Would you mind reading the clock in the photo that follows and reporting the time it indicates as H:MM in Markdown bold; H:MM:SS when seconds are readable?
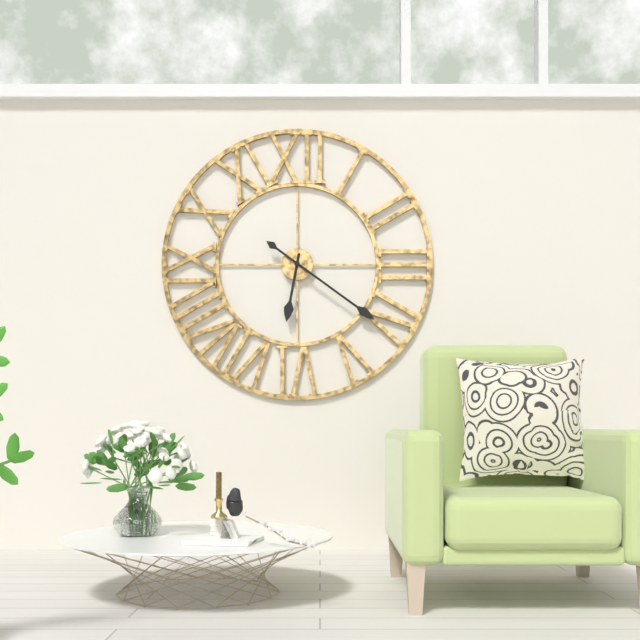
**6:21**
